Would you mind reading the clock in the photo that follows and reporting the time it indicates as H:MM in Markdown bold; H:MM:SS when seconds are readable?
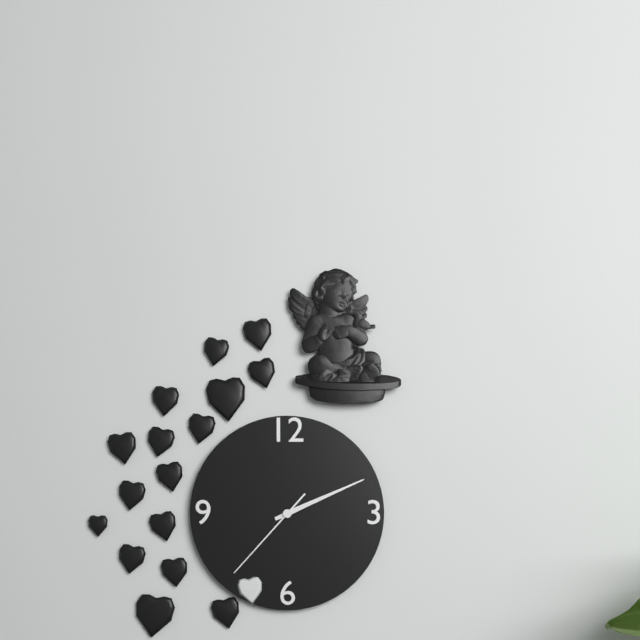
**2:11:37**
